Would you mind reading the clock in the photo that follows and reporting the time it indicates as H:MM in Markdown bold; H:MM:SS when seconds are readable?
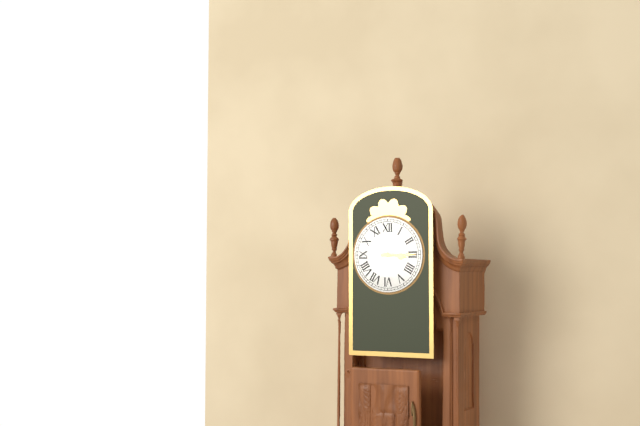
**3:15**
